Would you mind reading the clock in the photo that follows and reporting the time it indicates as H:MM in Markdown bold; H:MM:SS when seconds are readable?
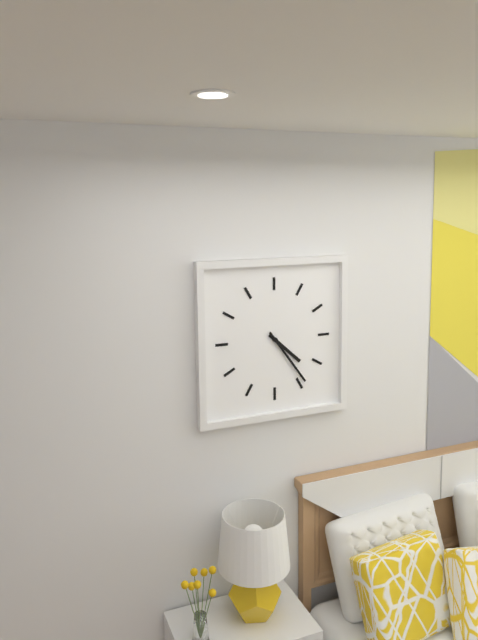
**4:24**
